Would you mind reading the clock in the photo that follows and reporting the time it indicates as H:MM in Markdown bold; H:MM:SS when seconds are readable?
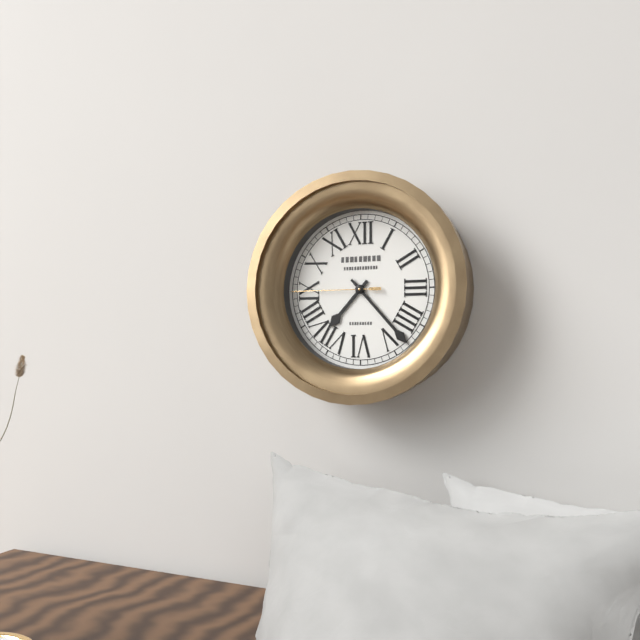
**7:23:45**
